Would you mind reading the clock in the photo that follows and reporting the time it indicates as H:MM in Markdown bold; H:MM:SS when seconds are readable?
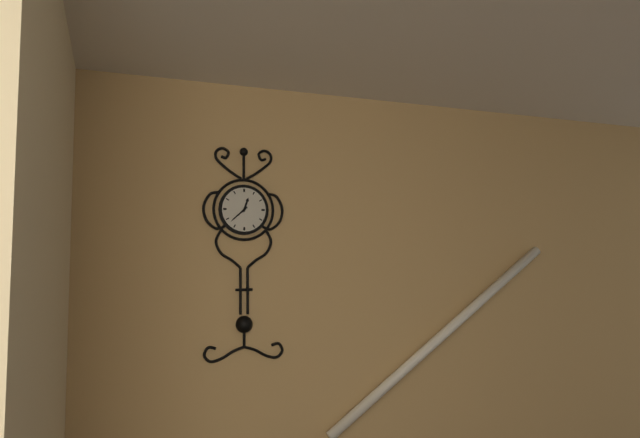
**12:38**
